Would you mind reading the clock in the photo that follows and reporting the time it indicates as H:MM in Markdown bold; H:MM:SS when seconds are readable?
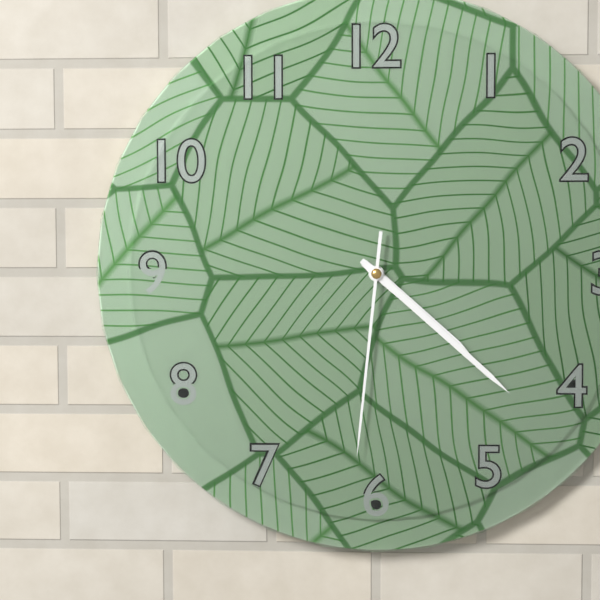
**4:22:31**
